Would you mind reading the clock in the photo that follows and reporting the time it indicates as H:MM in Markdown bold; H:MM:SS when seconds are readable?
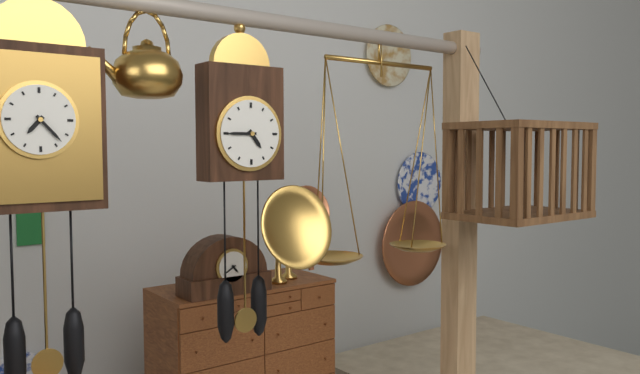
**4:45**
